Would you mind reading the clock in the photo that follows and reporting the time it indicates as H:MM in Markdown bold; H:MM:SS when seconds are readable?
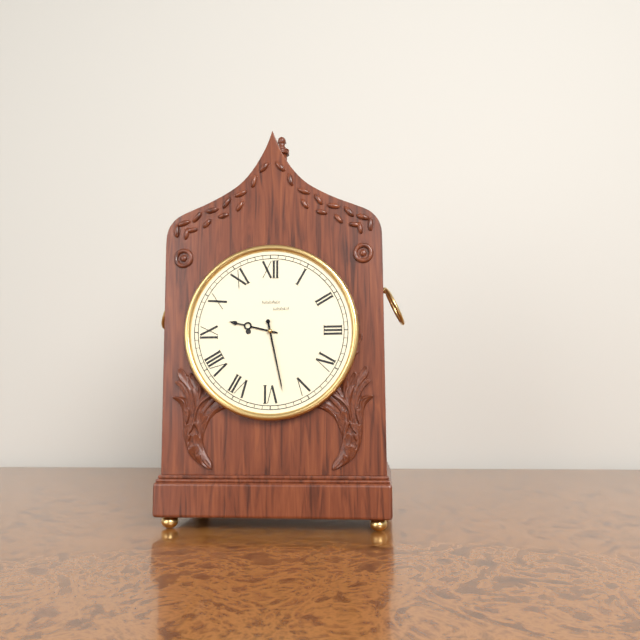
**9:28**
